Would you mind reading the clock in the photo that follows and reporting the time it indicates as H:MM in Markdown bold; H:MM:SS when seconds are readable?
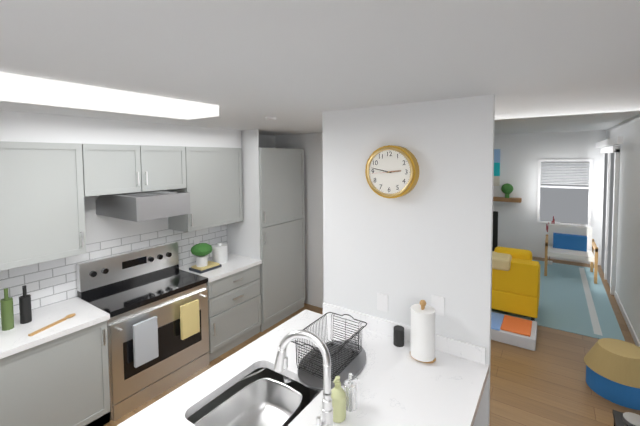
**2:47**
